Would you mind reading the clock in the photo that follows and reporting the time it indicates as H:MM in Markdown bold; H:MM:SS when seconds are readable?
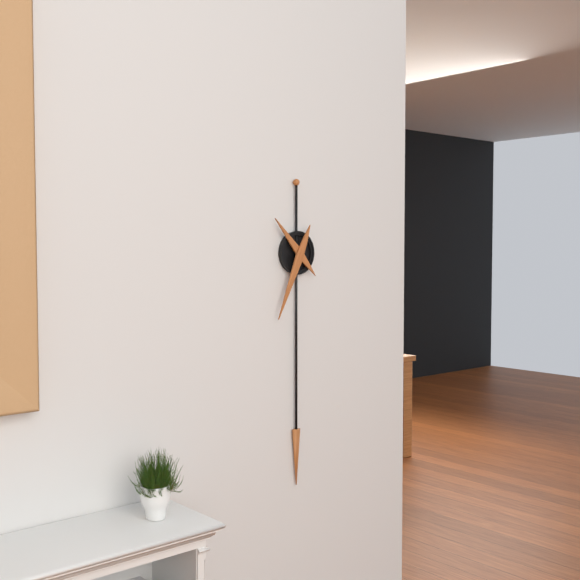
**10:34**
